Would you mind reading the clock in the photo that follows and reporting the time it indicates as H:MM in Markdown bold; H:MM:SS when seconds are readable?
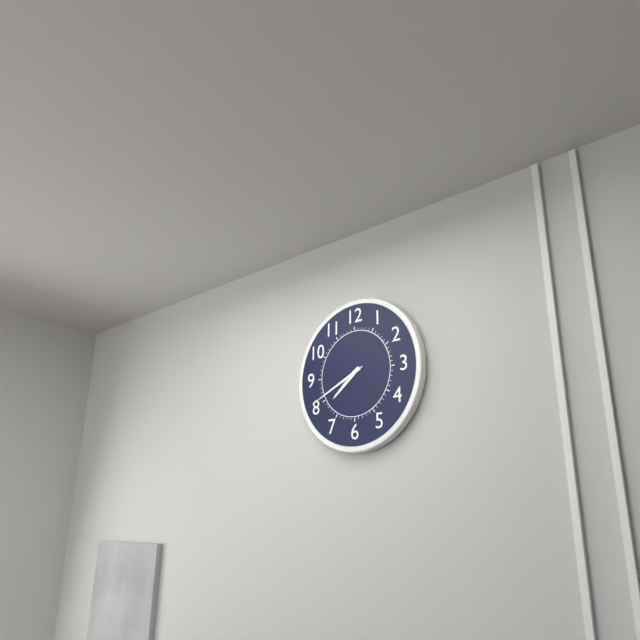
**7:41:41**
